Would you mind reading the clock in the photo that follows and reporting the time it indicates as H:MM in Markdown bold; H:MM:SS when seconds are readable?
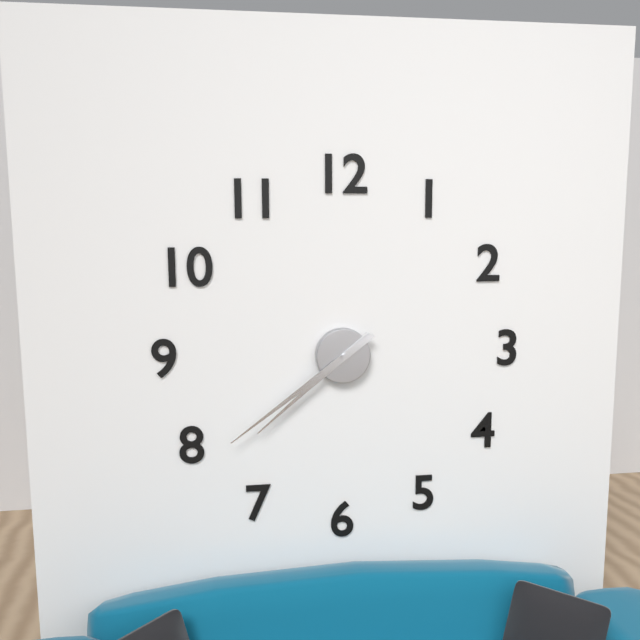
**7:39**
